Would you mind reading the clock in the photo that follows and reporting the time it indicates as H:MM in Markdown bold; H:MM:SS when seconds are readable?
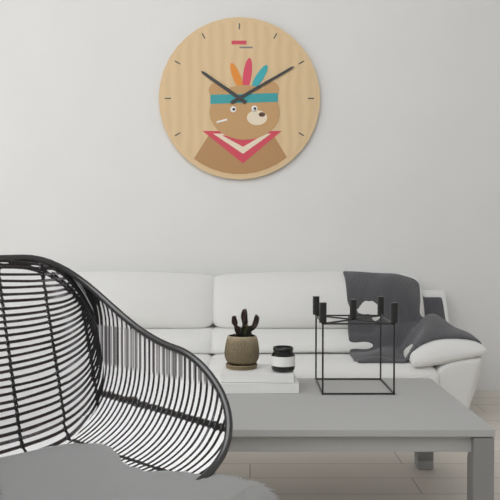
**10:10**
